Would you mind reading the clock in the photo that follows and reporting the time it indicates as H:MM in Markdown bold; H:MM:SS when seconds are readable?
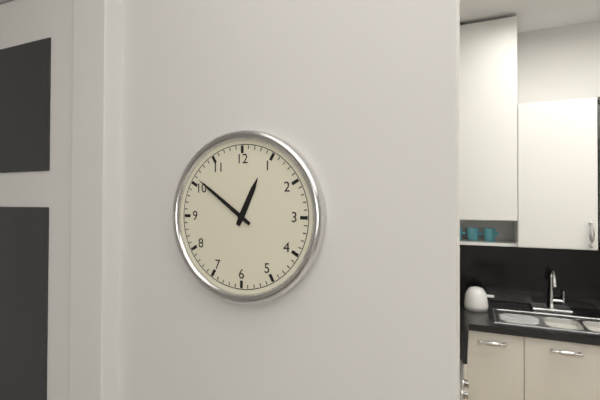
**12:51**
